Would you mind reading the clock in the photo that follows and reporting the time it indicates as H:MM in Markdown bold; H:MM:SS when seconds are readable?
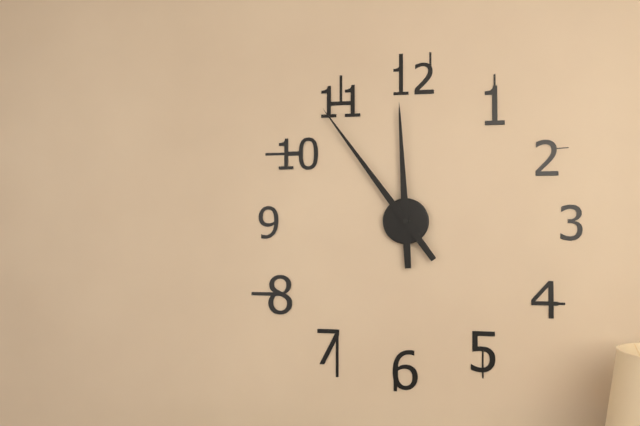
**11:54**
